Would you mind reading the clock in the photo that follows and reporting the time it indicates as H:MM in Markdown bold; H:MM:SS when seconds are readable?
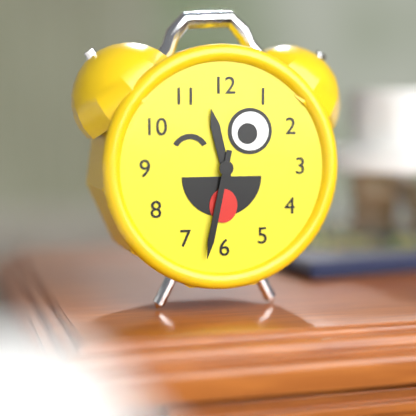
**11:32**
